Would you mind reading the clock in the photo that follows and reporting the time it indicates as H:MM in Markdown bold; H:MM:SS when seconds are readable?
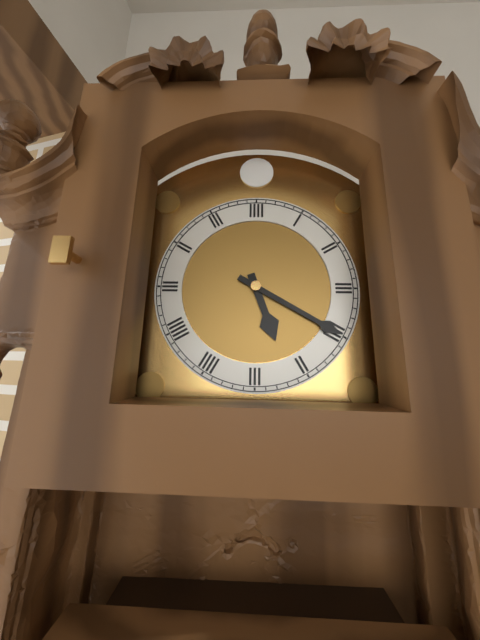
**5:20**
